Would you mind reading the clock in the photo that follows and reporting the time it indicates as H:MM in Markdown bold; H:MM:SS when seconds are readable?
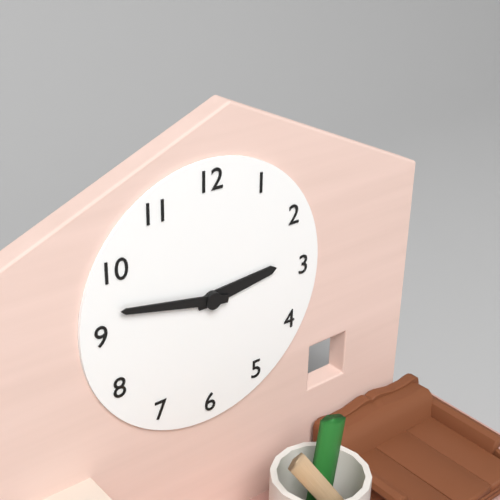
**2:47**
